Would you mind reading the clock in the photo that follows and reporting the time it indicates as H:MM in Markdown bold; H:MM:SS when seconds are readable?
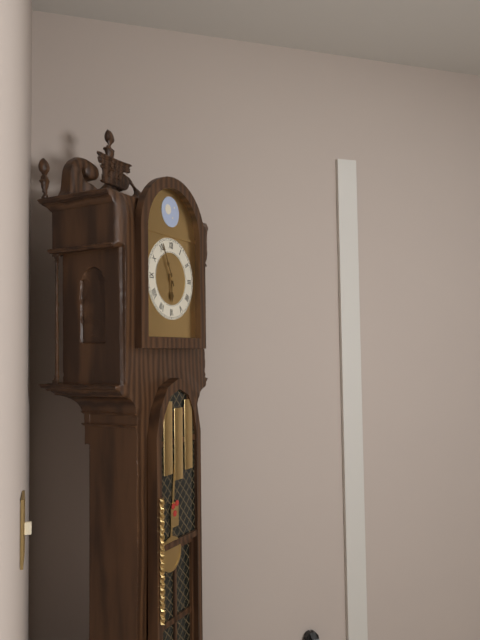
**5:56**
